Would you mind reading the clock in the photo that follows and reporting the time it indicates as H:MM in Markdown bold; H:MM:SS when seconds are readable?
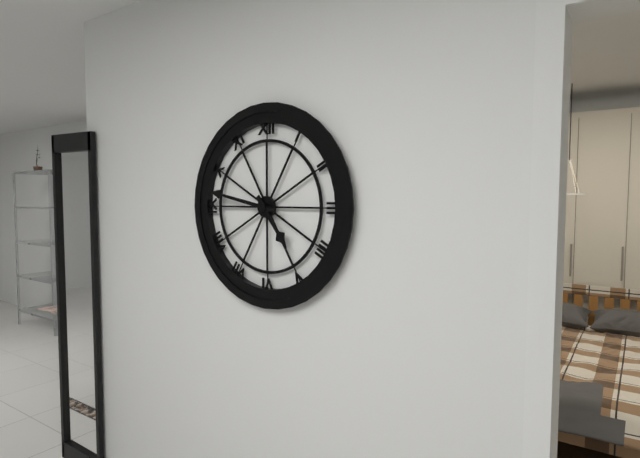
**4:47**
